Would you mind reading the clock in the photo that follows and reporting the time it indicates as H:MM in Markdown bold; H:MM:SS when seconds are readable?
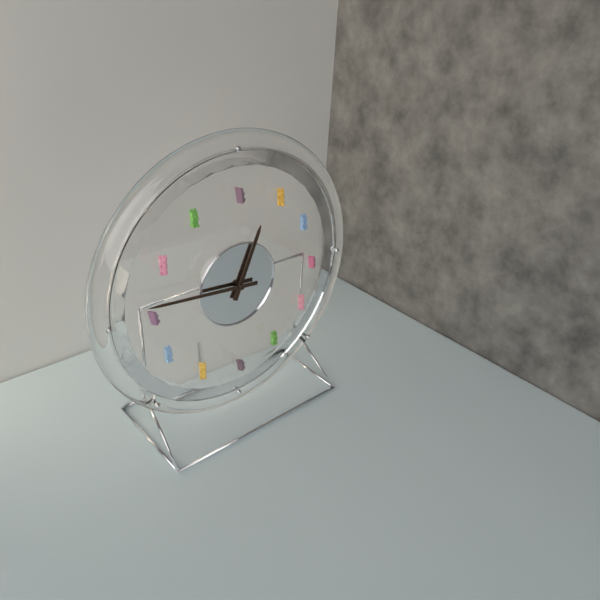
**12:46**
